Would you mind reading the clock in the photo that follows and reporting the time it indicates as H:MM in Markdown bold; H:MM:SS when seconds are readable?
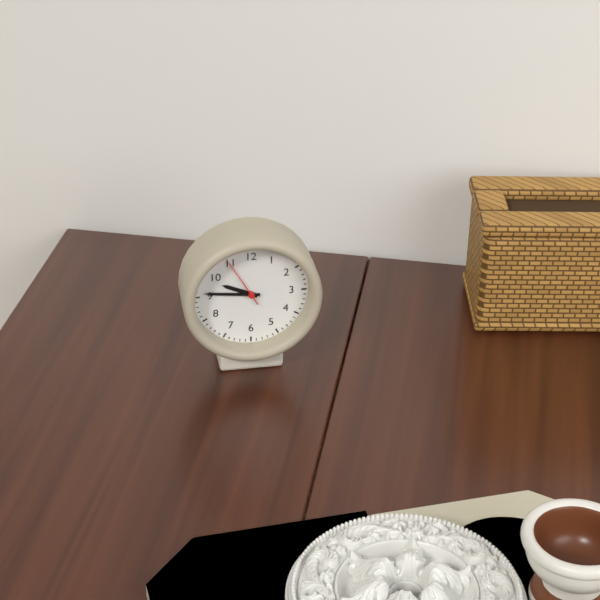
**9:46:55**
